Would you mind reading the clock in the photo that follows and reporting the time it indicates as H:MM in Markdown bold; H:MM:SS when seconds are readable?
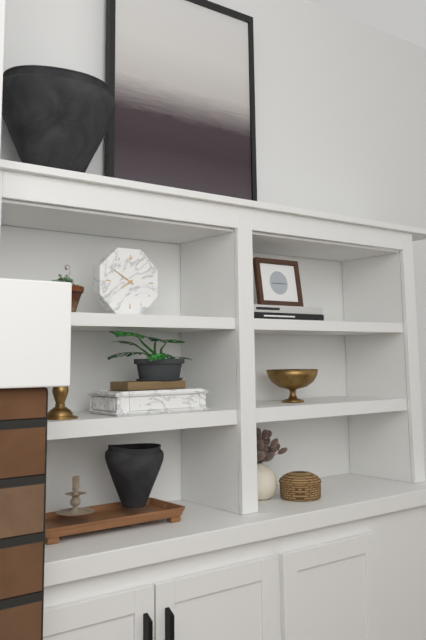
**7:50**
